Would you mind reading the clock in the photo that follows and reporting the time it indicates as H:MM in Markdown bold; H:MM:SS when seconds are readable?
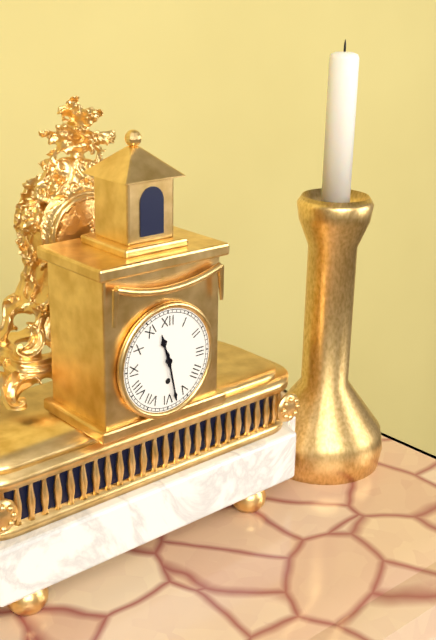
**11:28**
